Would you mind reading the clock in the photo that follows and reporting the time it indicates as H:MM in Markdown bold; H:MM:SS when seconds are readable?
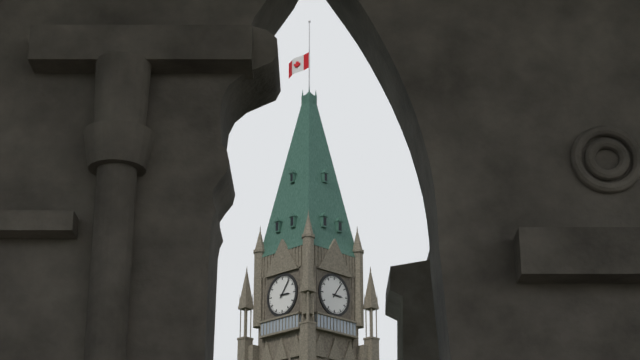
**3:06**
